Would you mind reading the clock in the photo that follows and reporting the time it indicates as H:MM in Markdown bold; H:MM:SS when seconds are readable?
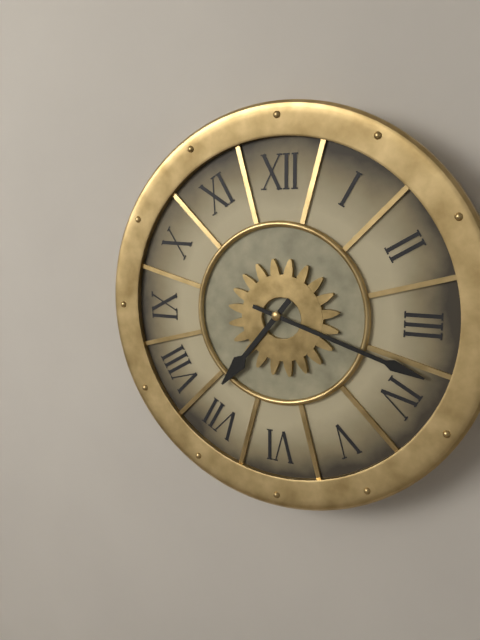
**7:18**
